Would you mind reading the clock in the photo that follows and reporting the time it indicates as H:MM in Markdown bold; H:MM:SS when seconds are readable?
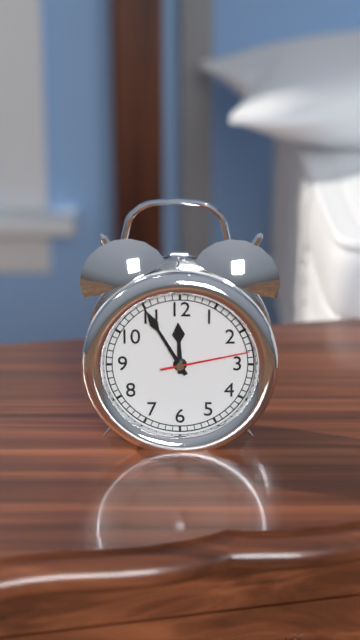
**11:55:13**
